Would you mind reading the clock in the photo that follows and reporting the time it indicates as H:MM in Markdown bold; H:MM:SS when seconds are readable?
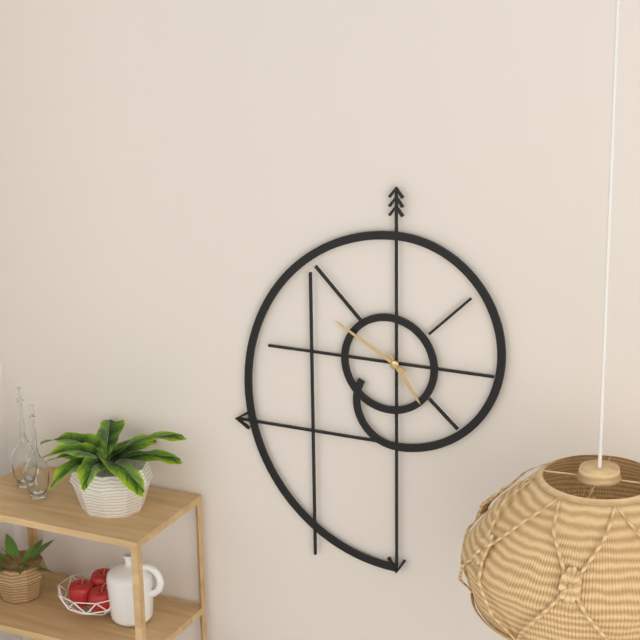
**4:50**
